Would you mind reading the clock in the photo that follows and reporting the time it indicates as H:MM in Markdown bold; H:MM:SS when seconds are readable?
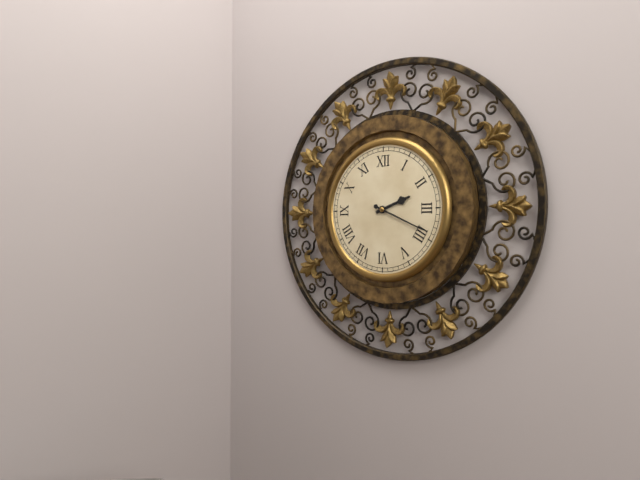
**2:19**
